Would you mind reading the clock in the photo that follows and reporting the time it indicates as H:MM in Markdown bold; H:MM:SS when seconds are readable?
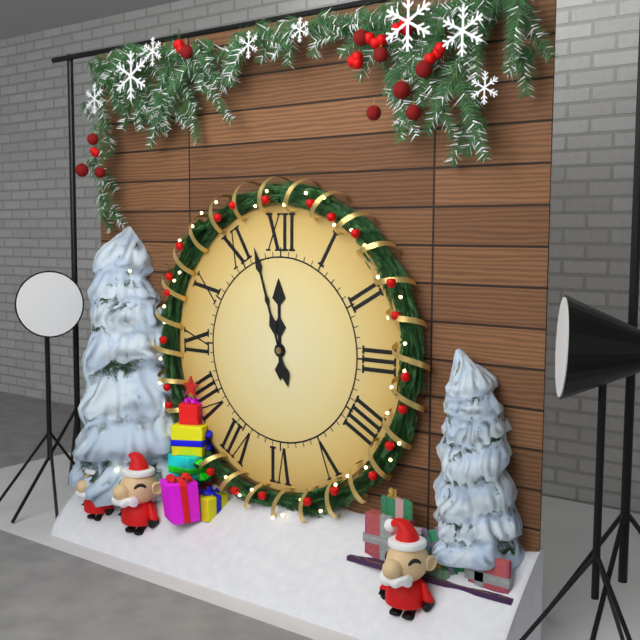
**11:57**
